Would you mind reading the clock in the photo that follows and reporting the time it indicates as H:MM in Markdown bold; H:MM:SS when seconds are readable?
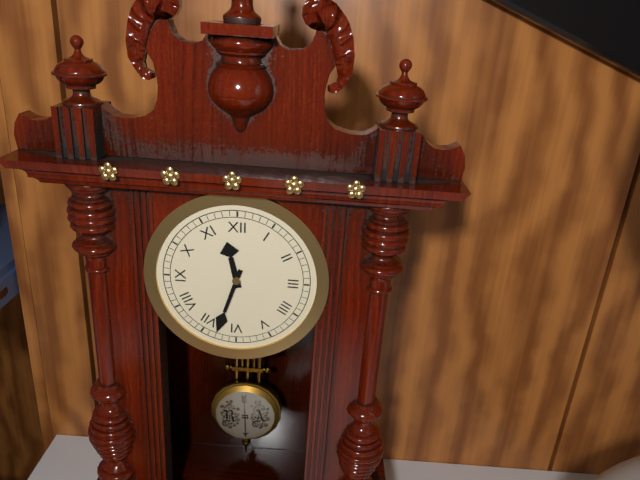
**11:33**
